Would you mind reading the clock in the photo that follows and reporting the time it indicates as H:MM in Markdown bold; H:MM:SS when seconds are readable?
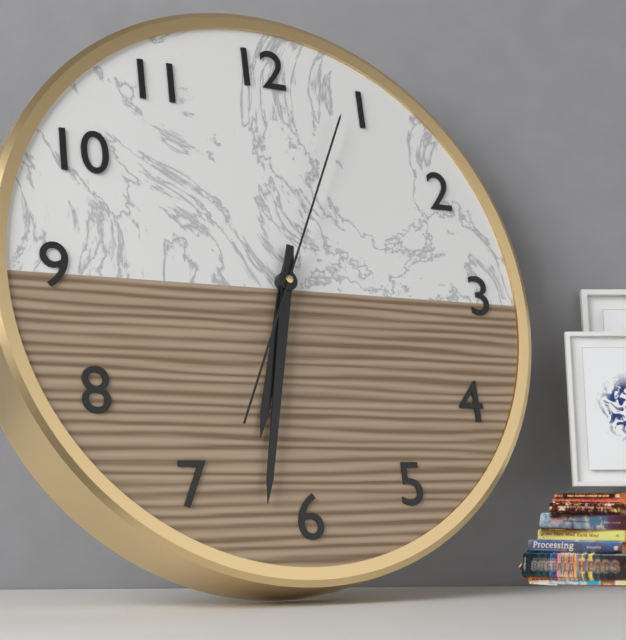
**6:32:04**
